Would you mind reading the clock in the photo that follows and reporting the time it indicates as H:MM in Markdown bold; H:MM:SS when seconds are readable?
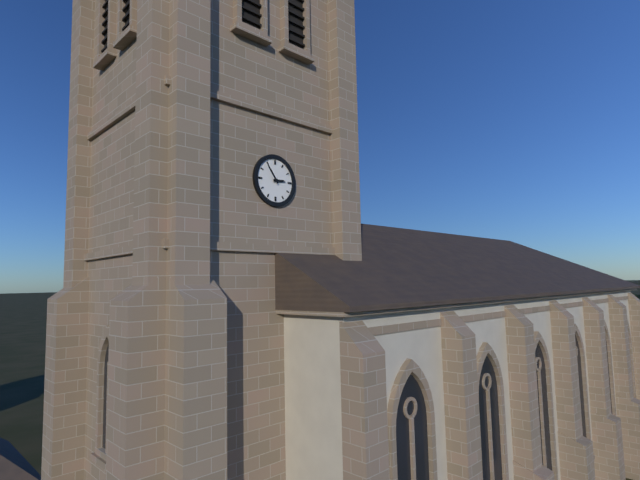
**2:54**
